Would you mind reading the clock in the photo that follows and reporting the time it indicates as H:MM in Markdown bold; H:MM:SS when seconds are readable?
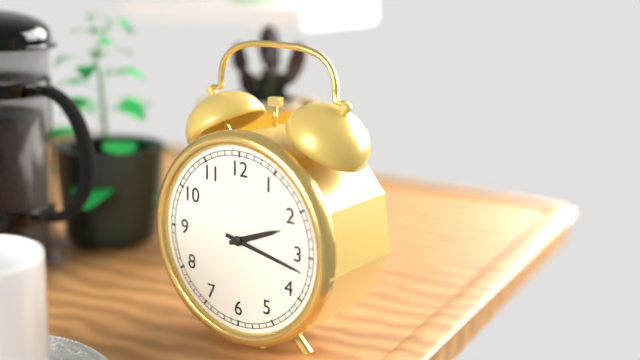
**2:17**
